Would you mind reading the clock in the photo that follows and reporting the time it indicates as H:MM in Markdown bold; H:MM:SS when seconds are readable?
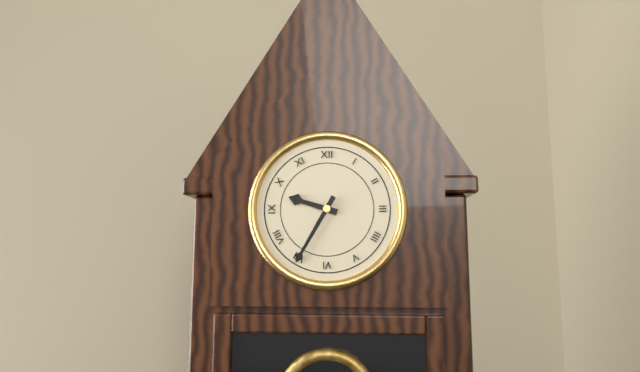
**9:35**
